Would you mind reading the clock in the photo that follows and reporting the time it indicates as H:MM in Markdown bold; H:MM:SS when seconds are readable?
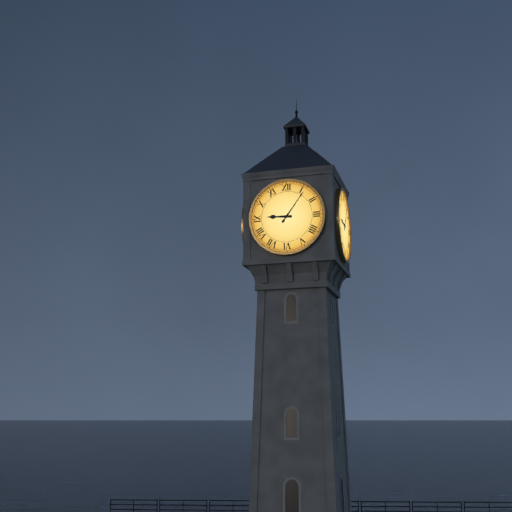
**9:06**
